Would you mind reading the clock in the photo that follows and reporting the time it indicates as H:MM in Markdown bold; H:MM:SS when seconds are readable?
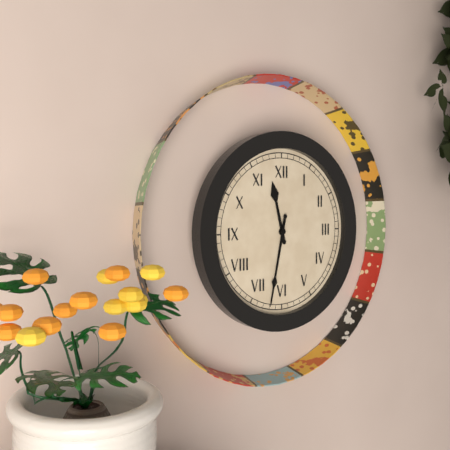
**11:32**
